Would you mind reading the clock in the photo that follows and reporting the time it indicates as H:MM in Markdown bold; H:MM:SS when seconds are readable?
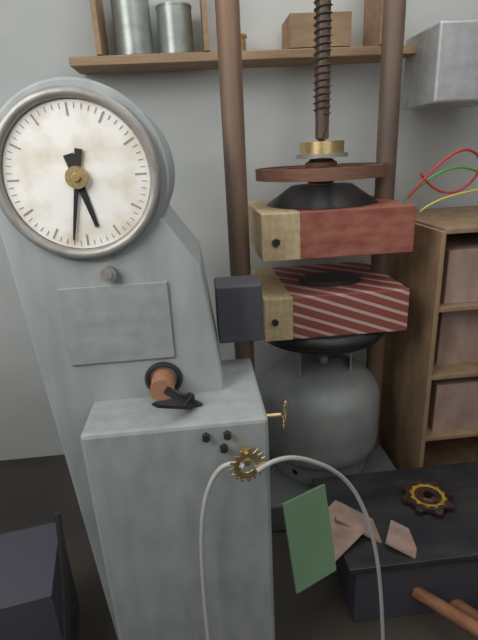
**5:32**
